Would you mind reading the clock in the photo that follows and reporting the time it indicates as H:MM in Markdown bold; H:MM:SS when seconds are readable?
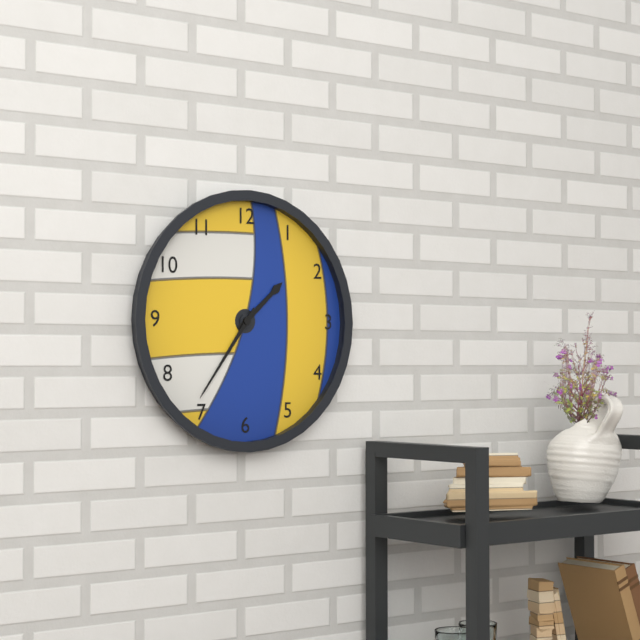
**1:36**
